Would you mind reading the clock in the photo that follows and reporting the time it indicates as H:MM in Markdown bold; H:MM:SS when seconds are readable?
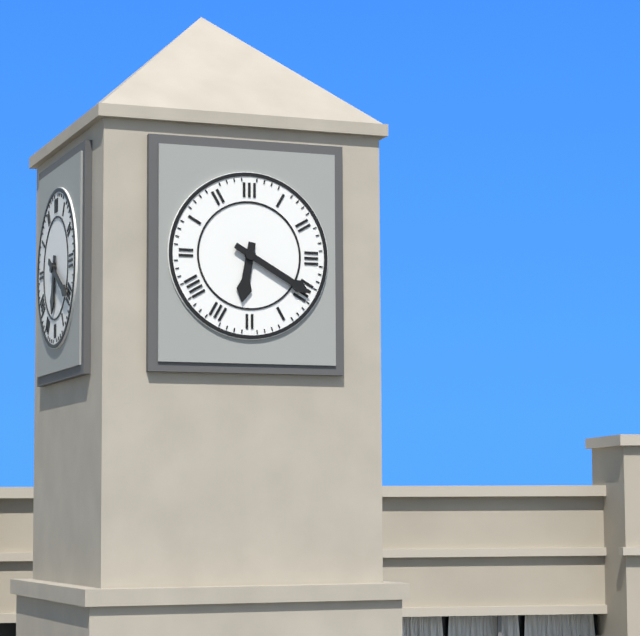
**6:20**
